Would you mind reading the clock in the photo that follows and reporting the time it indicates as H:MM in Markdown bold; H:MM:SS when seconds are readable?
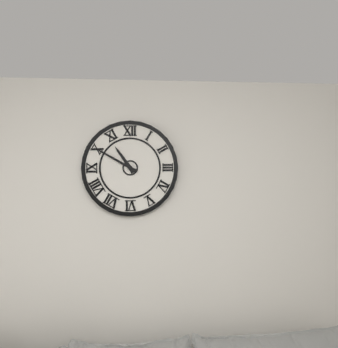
**10:50**
